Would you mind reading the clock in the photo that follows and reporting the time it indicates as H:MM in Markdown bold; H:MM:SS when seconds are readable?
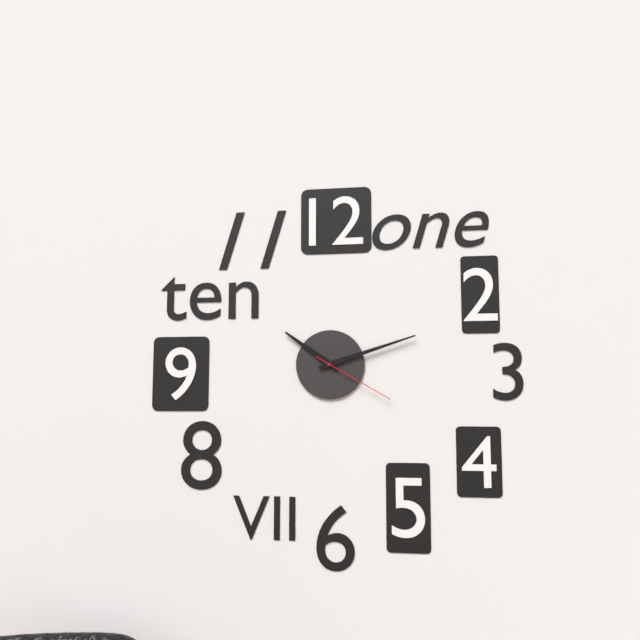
**10:12:20**
